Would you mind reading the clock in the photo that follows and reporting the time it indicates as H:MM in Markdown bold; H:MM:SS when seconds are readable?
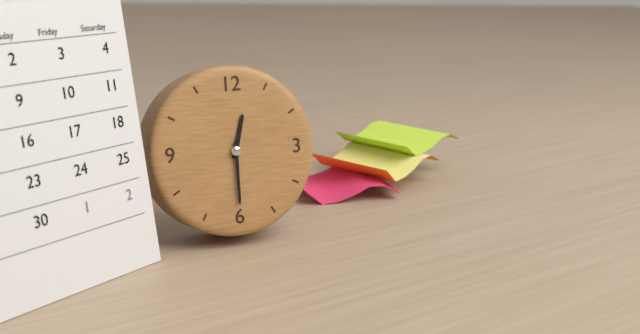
**12:30**
